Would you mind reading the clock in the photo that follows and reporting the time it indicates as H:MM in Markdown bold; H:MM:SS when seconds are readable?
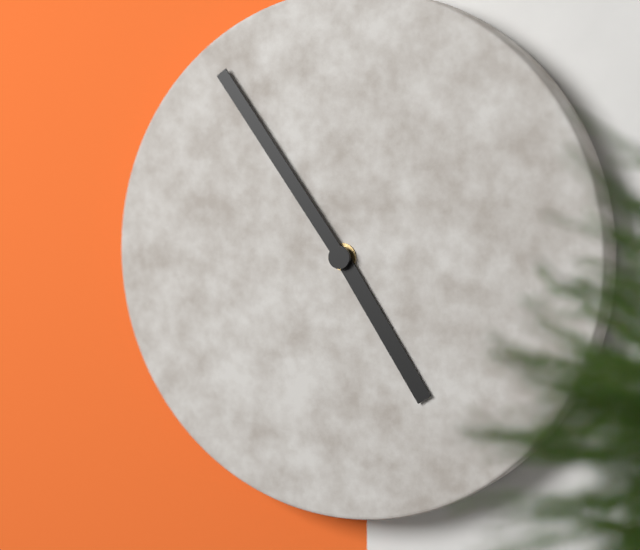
**4:54**
